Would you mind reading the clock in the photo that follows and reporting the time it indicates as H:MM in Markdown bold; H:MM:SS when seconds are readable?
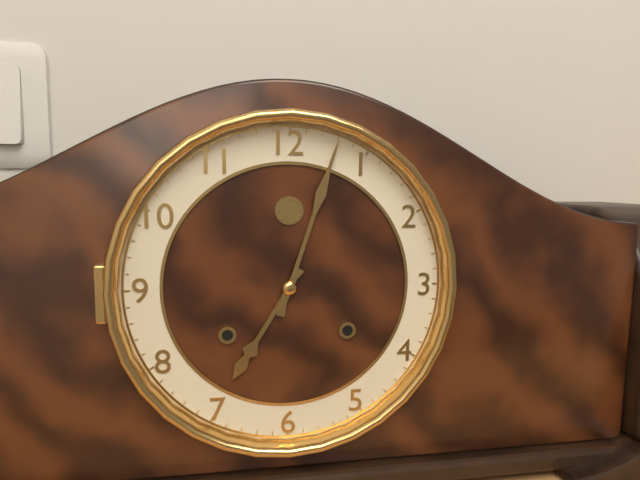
**7:03**
